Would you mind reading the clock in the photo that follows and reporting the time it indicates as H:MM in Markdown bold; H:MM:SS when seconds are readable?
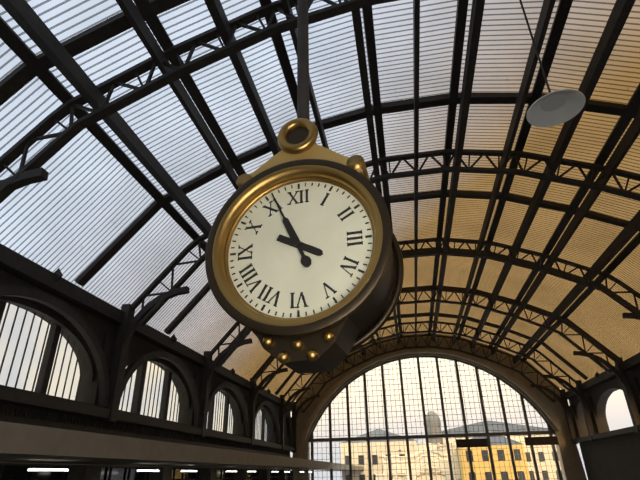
**3:56**
